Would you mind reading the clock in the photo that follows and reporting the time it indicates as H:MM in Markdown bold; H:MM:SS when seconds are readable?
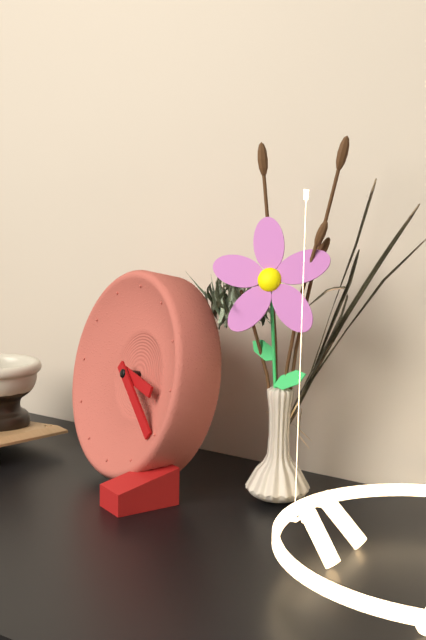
**3:21**
